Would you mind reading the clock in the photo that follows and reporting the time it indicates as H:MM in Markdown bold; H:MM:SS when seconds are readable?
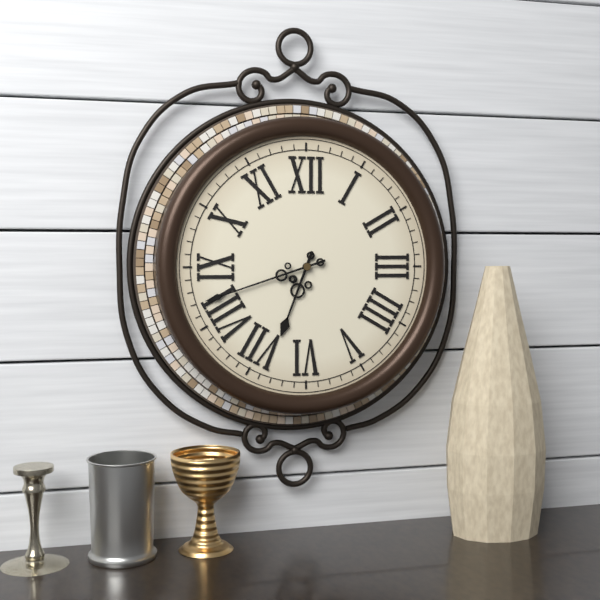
**6:42**
